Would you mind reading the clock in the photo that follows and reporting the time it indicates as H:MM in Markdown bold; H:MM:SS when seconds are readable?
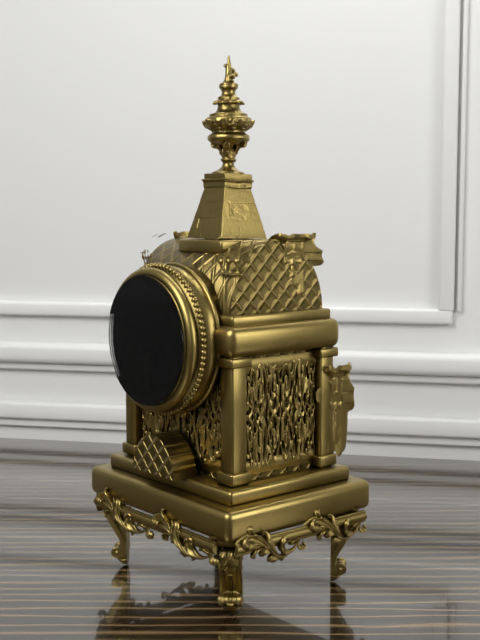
**5:48**
